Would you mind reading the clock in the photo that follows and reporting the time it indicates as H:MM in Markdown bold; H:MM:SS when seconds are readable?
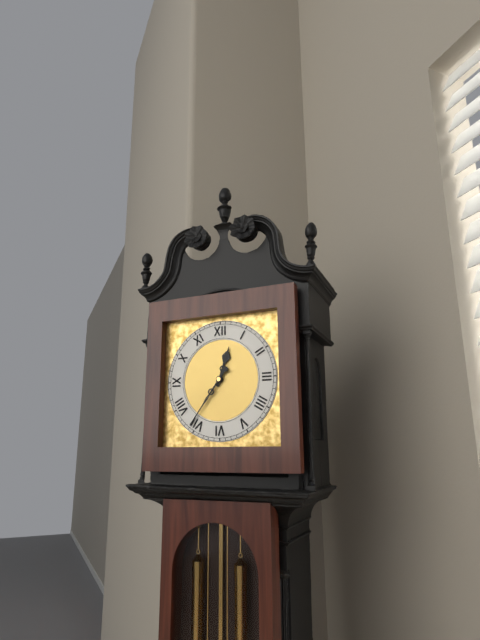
**12:36**
